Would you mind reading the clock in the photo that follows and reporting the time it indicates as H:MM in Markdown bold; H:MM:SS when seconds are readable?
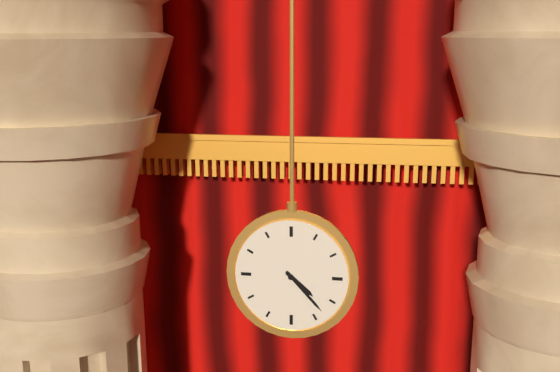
**4:23**
